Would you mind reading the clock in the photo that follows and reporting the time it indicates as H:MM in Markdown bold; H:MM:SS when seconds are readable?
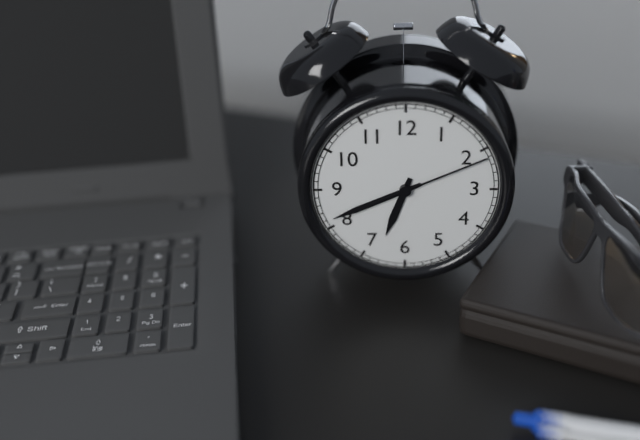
**6:41:11**
